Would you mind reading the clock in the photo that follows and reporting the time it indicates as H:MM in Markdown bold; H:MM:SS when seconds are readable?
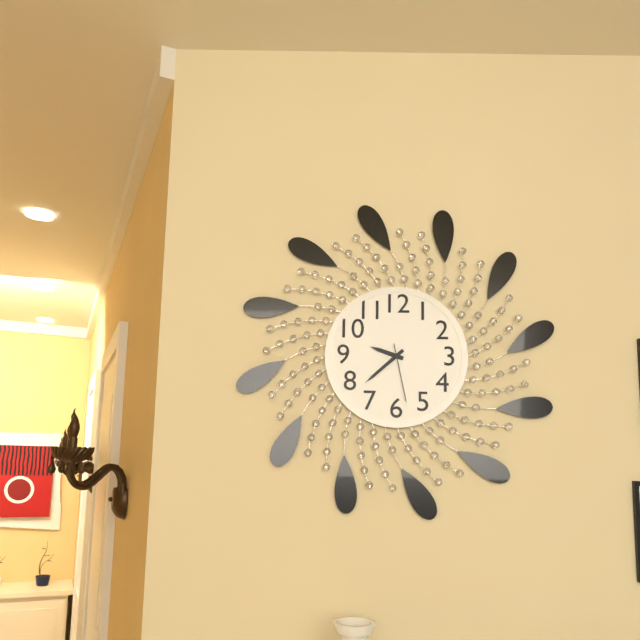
**9:38:28**
